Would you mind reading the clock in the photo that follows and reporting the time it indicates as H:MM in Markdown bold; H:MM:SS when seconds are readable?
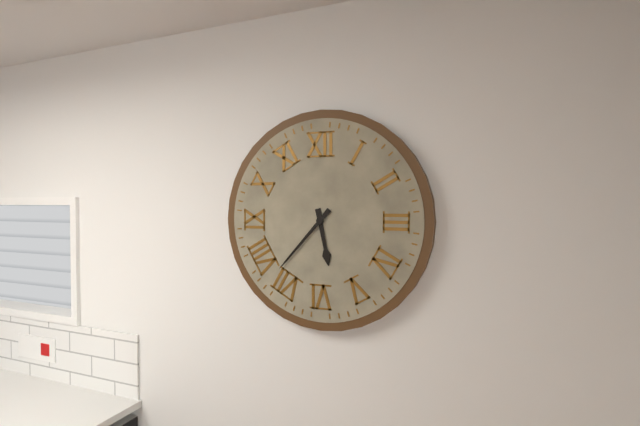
**5:37**
